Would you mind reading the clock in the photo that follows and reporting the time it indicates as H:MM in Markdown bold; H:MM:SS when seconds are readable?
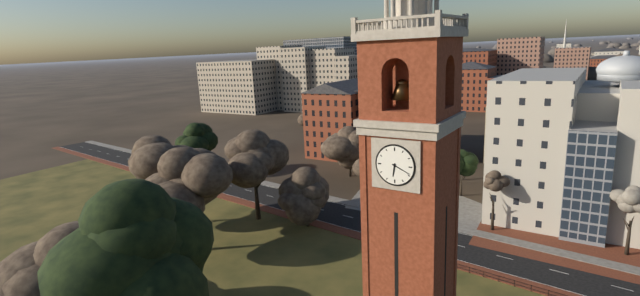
**6:19**
